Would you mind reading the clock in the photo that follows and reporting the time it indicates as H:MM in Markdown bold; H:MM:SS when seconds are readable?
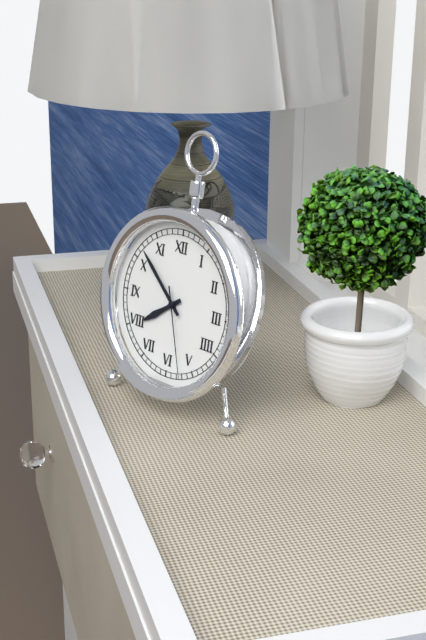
**7:52:27**
